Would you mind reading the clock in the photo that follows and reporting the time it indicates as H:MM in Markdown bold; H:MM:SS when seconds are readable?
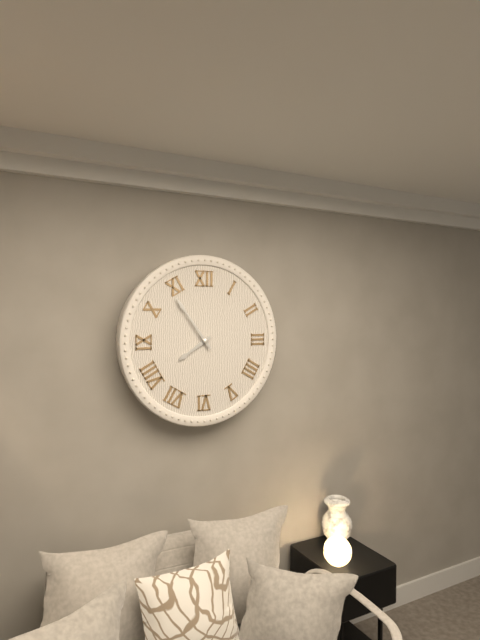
**7:54**
